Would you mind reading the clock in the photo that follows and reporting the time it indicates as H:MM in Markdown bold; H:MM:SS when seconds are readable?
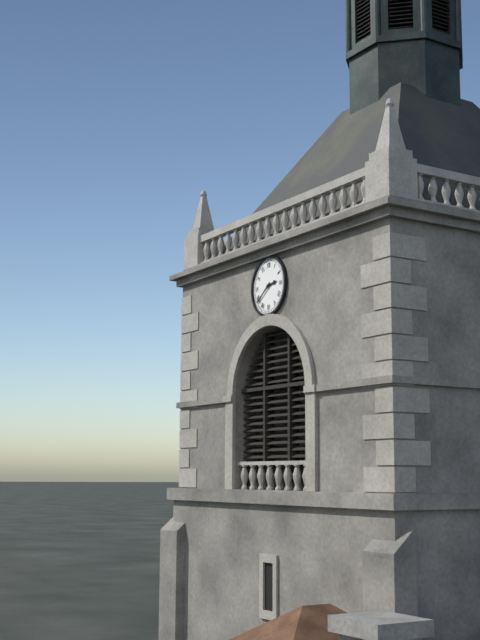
**2:39**
